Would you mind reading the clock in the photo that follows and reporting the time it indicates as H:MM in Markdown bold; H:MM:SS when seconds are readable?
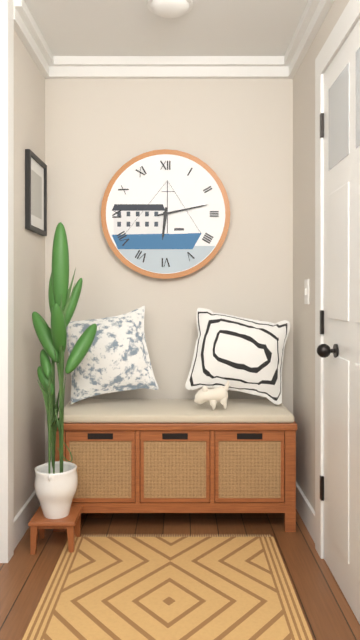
**6:13**
